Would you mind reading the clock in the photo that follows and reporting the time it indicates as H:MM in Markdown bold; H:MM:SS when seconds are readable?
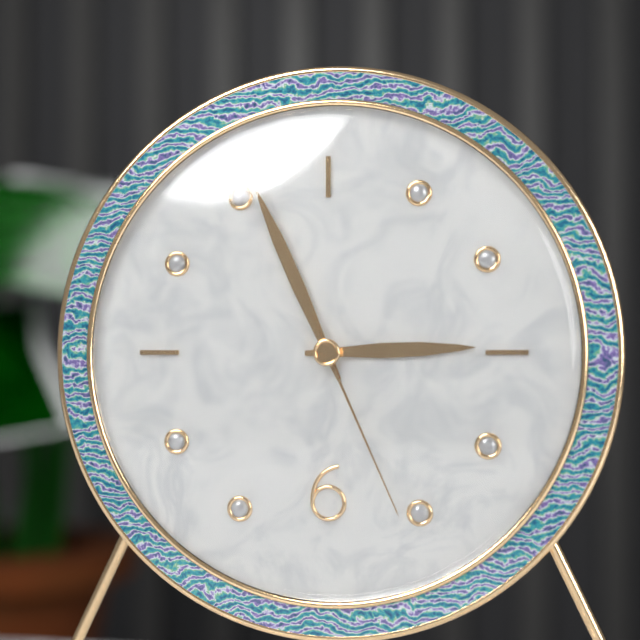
**2:56:26**
